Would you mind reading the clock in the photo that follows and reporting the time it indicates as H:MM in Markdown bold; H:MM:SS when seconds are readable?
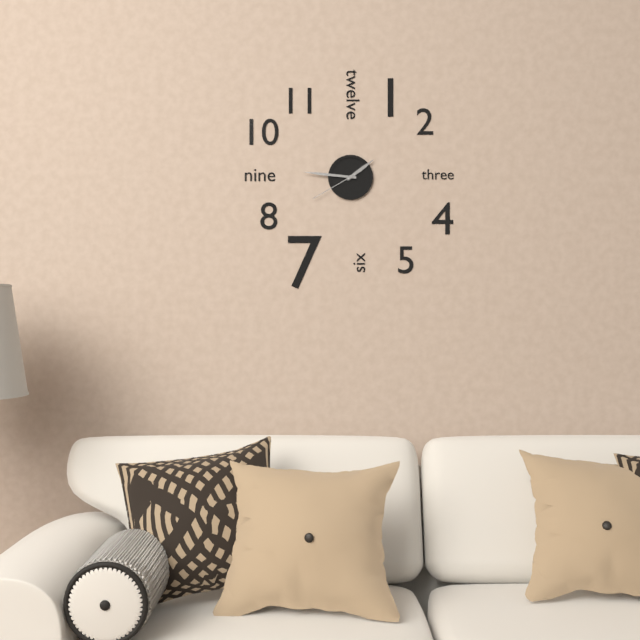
**1:46:40**
